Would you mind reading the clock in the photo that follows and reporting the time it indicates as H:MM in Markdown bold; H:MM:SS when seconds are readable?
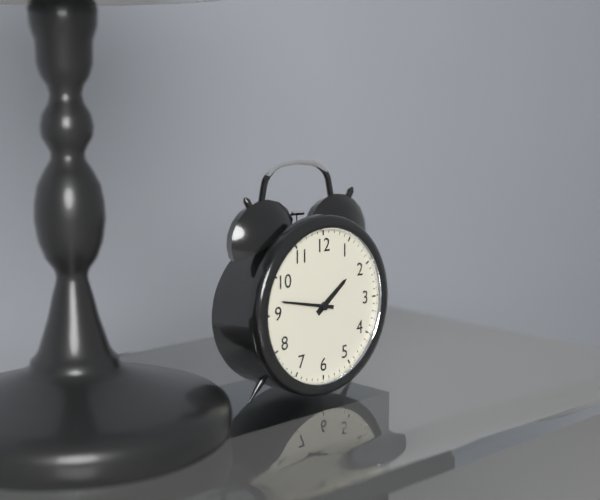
**1:47**
